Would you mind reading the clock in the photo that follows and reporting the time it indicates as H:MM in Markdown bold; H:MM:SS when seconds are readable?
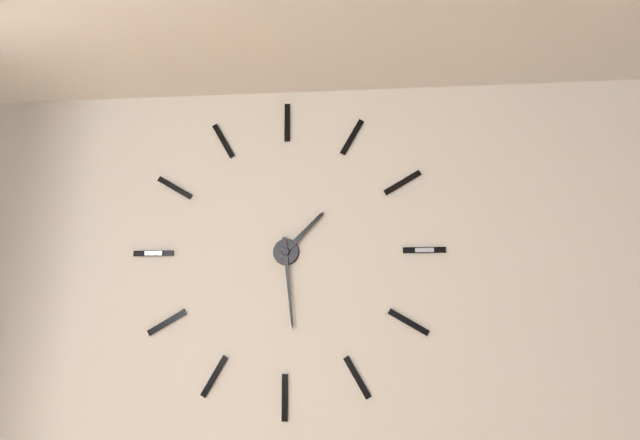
**1:29**
